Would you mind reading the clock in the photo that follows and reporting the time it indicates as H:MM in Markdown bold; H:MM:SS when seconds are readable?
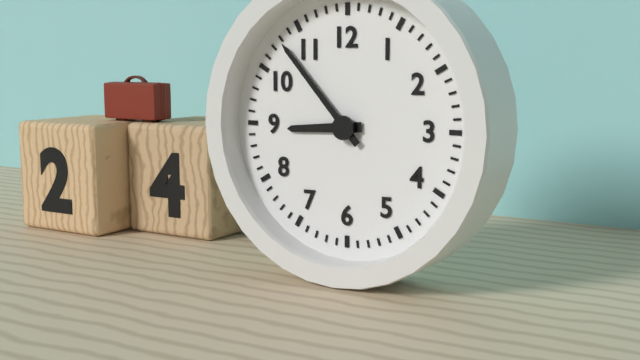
**8:53**
